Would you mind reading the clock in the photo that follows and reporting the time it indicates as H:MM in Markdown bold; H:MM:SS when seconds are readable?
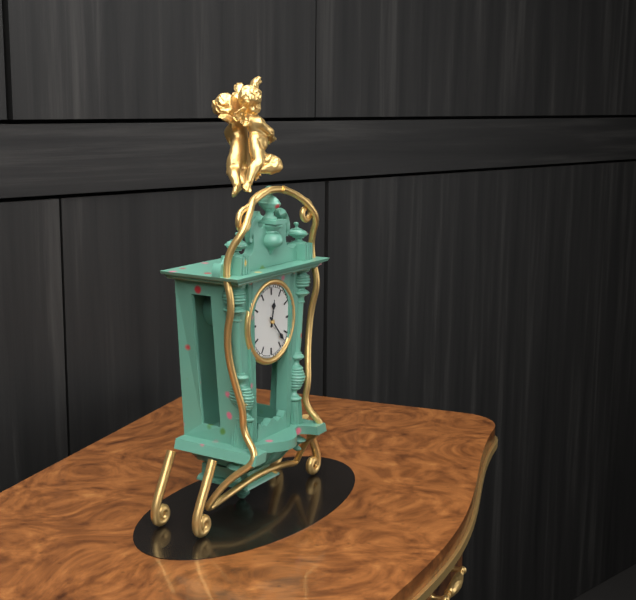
**12:23**
